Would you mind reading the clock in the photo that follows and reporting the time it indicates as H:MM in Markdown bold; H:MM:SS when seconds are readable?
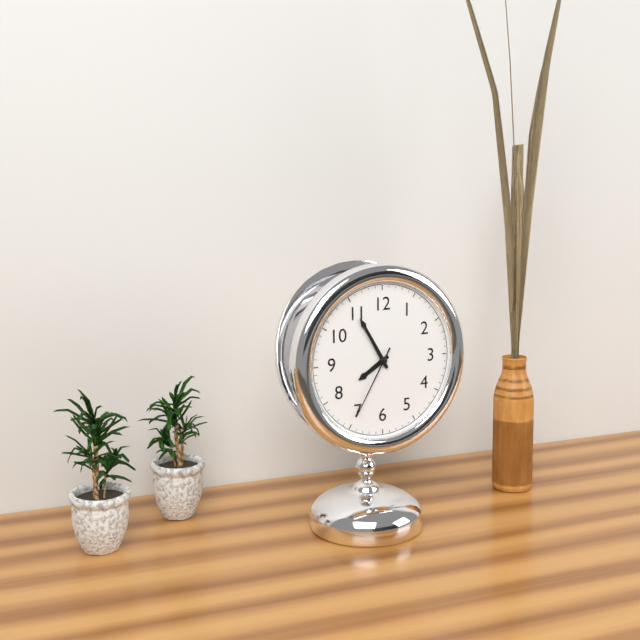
**7:55:35**
